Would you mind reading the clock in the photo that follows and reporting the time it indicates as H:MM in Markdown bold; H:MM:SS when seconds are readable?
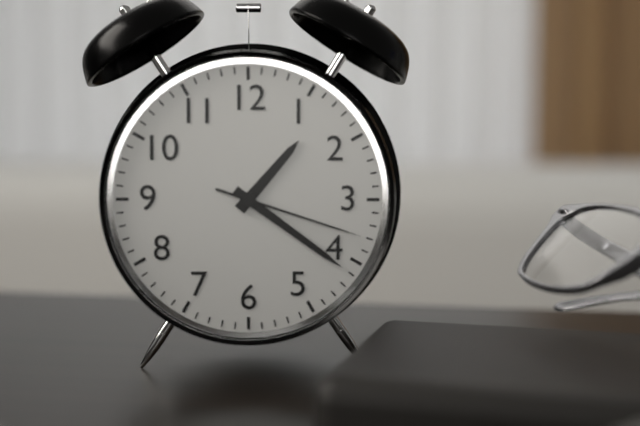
**1:21:18**
